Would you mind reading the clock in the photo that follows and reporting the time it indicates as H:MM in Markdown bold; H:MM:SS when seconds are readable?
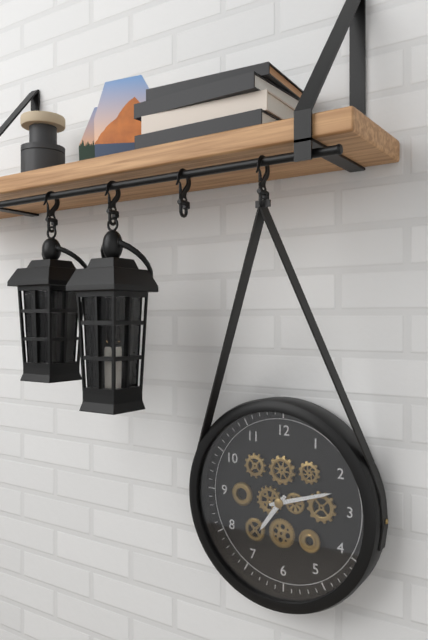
**7:12**
